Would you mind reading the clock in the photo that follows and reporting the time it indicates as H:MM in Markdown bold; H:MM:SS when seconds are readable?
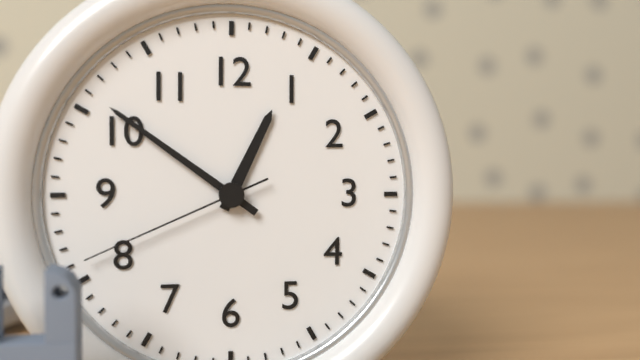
**12:51:41**
